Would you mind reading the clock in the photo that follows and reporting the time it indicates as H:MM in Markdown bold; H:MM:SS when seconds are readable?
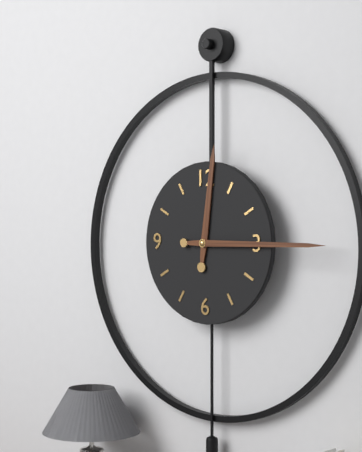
**12:15**
